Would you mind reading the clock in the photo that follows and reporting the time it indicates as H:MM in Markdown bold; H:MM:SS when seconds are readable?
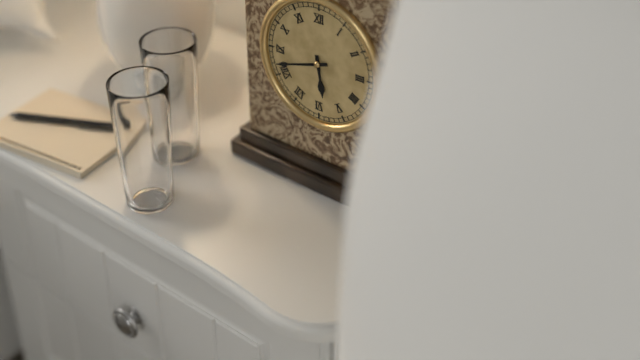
**5:42**
